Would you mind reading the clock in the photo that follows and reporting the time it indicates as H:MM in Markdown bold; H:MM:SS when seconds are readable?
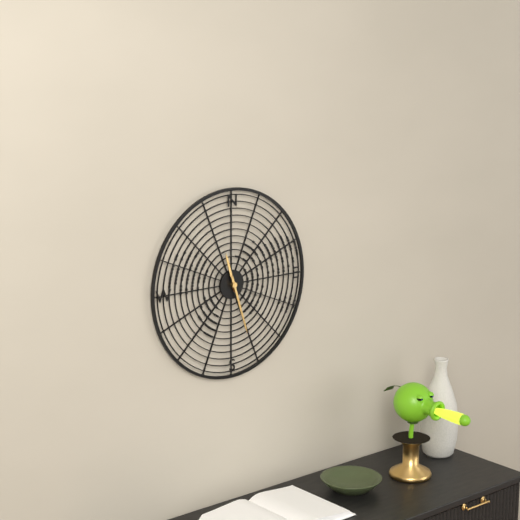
**11:27**
